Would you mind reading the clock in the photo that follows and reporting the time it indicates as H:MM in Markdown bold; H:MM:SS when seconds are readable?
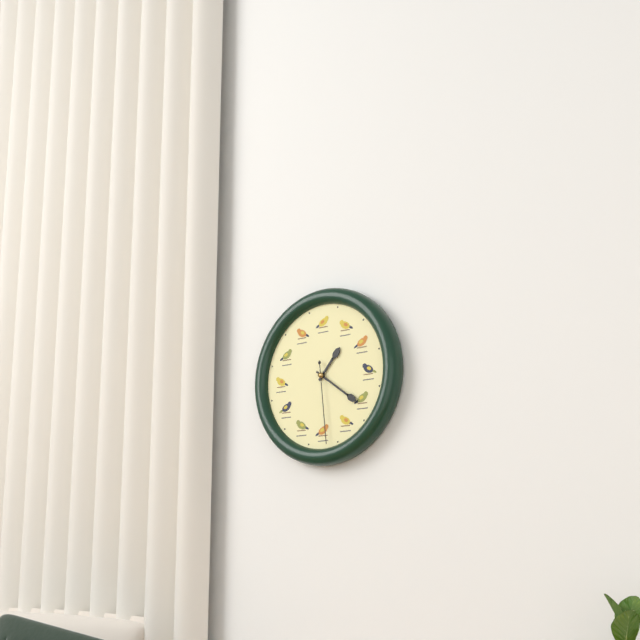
**1:21:29**
